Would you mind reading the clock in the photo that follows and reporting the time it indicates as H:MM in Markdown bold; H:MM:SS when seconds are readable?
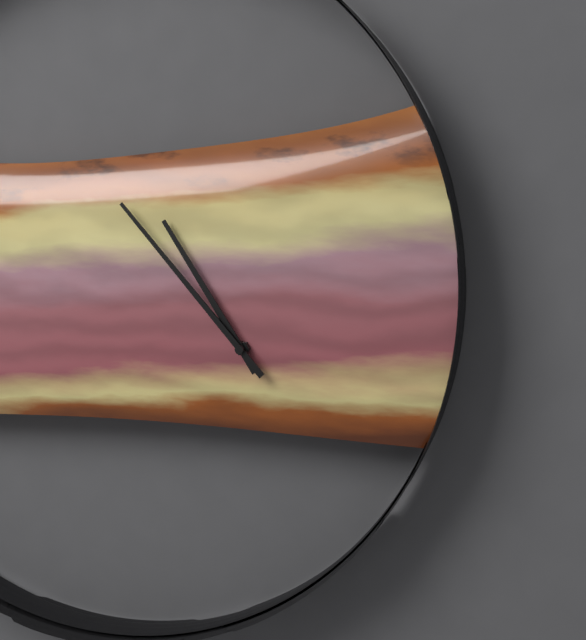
**10:53**
